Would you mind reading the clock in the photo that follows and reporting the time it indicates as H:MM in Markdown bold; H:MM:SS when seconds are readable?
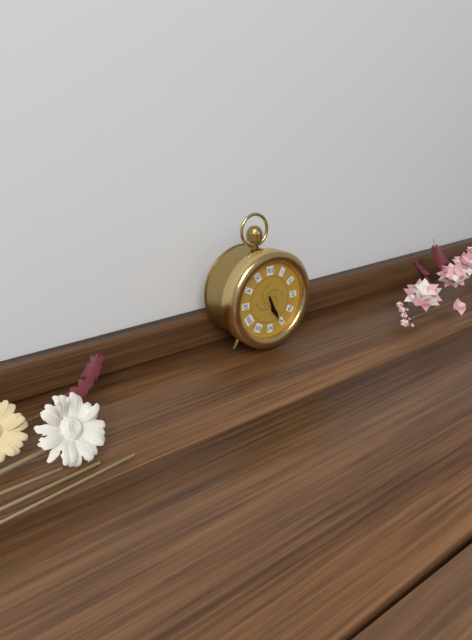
**5:26**
